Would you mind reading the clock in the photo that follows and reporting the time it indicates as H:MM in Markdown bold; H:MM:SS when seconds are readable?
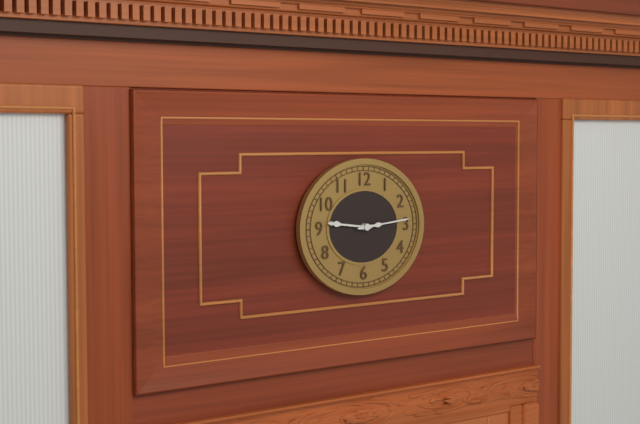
**9:14**
